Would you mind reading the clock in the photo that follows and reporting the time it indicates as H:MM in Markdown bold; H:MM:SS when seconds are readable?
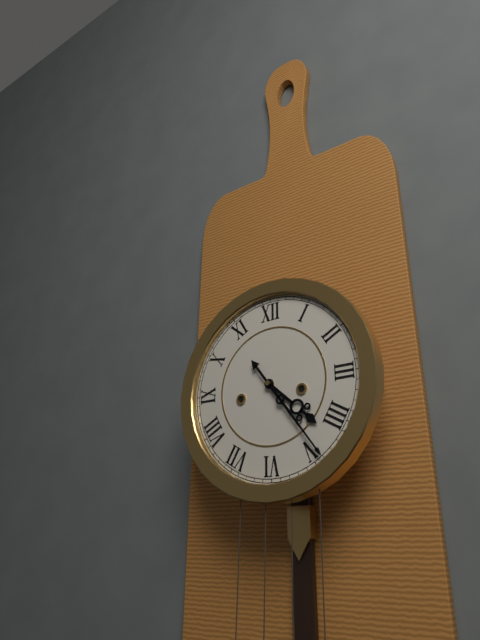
**4:24**
